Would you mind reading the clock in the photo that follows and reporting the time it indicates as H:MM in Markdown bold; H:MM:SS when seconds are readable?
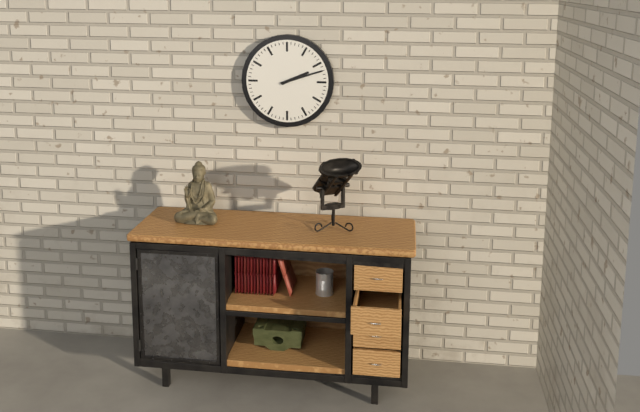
**2:12**
